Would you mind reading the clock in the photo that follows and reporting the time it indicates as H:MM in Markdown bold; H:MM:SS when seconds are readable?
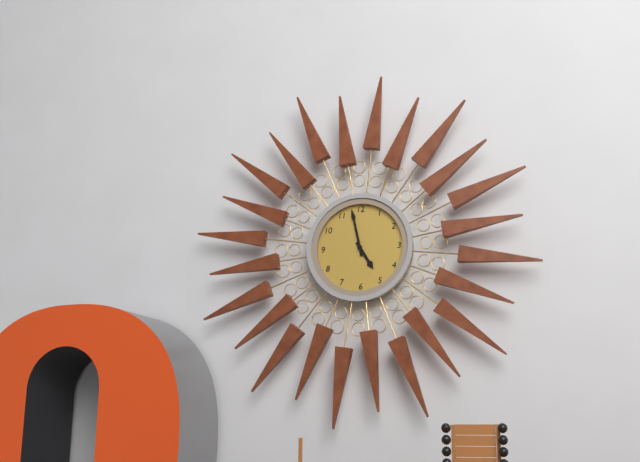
**4:58**
